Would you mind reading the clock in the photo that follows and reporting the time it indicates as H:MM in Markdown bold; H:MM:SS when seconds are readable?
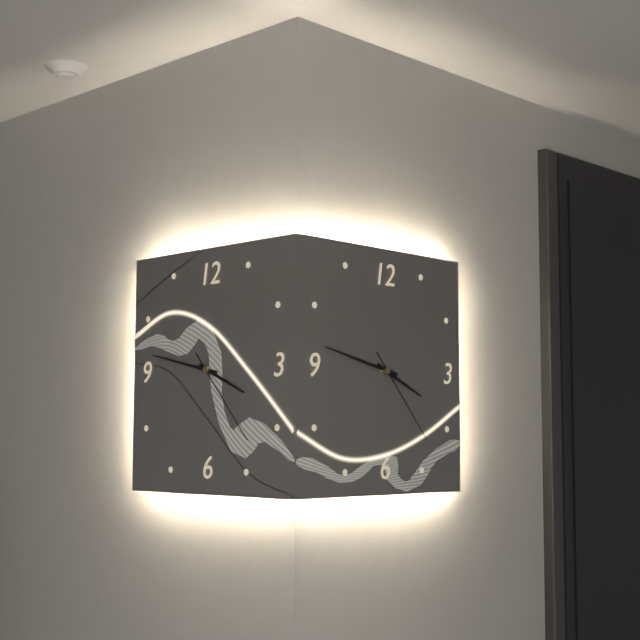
**3:47:23**
